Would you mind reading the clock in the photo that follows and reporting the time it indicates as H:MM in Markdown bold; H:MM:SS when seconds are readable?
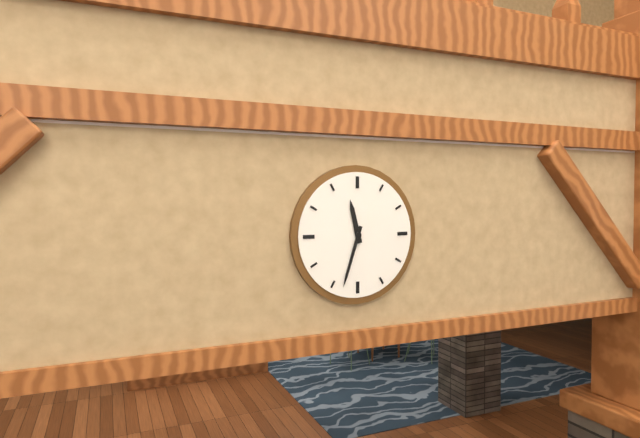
**11:33**
